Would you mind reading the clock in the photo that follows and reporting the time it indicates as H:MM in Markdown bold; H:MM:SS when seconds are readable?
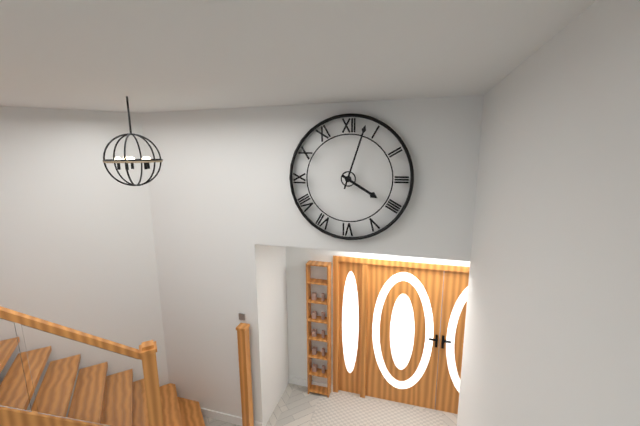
**4:03**
